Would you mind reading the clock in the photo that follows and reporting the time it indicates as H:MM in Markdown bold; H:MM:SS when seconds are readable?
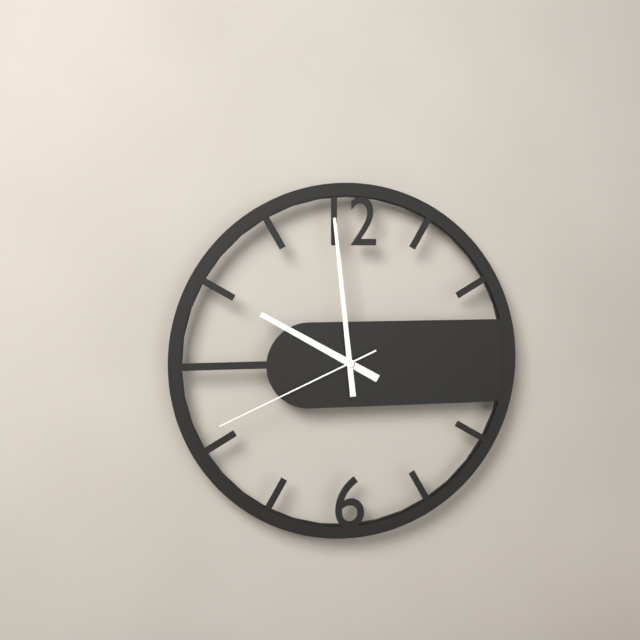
**9:59:41**
